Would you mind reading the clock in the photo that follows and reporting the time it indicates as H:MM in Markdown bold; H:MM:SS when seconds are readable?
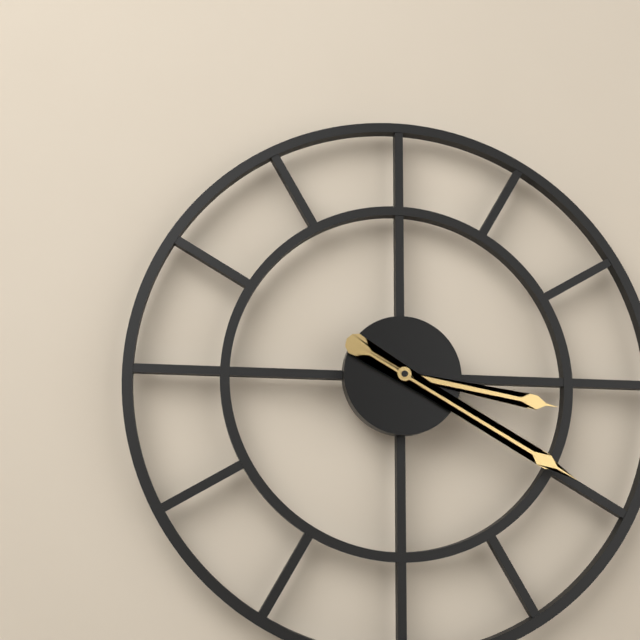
**3:20**
